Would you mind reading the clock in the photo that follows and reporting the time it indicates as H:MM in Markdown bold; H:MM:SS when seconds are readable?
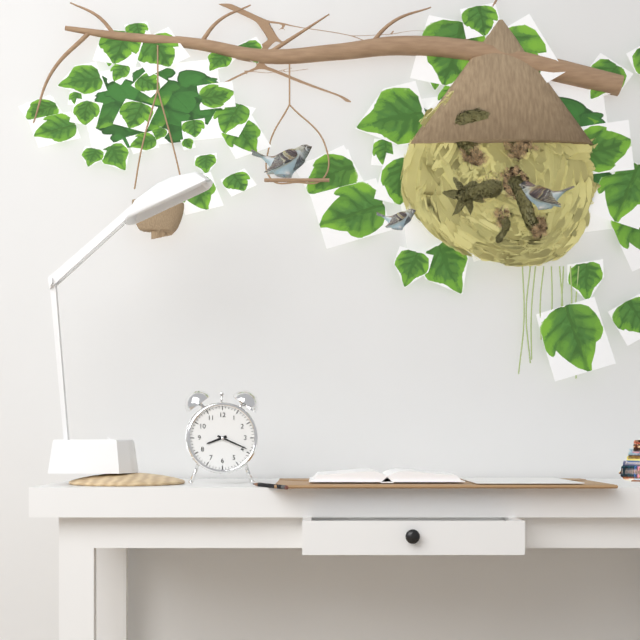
**8:19**
